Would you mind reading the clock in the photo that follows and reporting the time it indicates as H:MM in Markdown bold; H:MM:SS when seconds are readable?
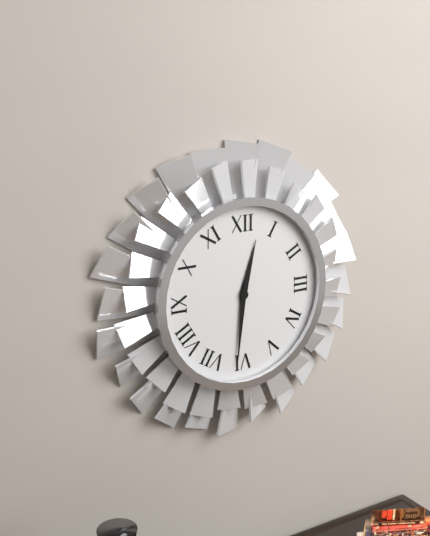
**12:31**
